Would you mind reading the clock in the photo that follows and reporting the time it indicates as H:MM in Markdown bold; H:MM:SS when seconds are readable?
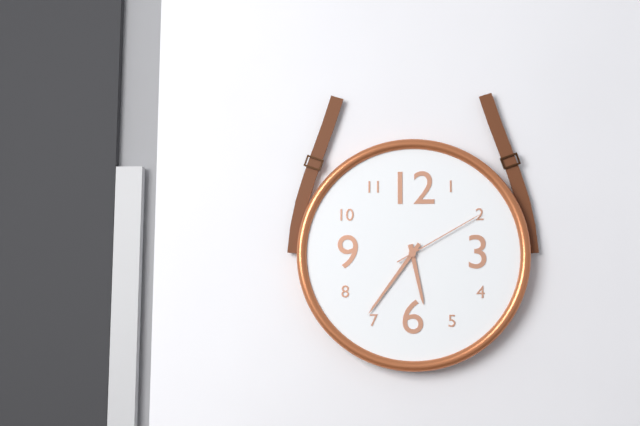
**5:36:10**
